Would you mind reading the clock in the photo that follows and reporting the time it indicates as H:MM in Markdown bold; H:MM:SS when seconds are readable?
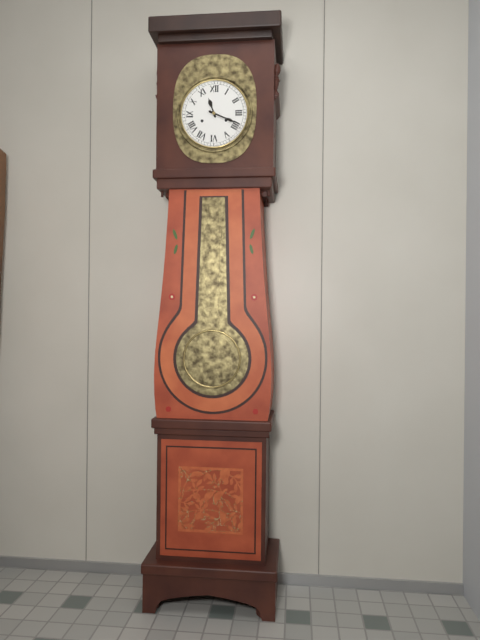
**11:19**
